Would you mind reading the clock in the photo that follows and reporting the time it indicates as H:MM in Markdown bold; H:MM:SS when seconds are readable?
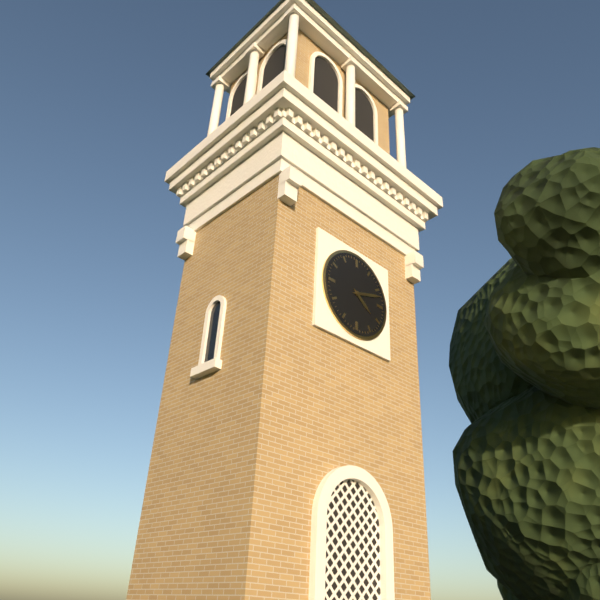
**4:12**
